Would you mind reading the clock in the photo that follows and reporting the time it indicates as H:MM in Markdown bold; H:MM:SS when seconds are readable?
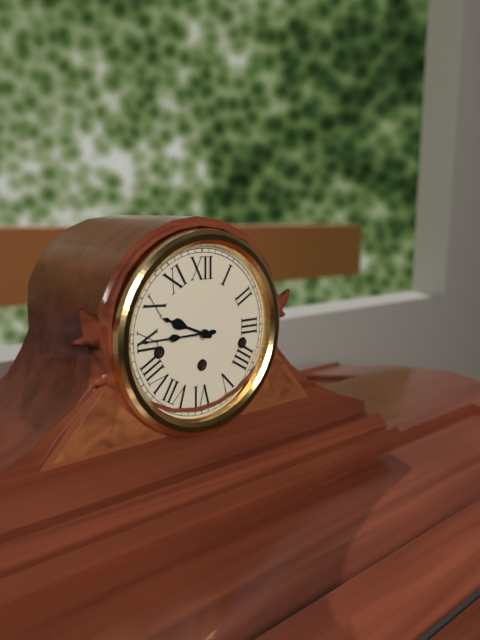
**9:45**
